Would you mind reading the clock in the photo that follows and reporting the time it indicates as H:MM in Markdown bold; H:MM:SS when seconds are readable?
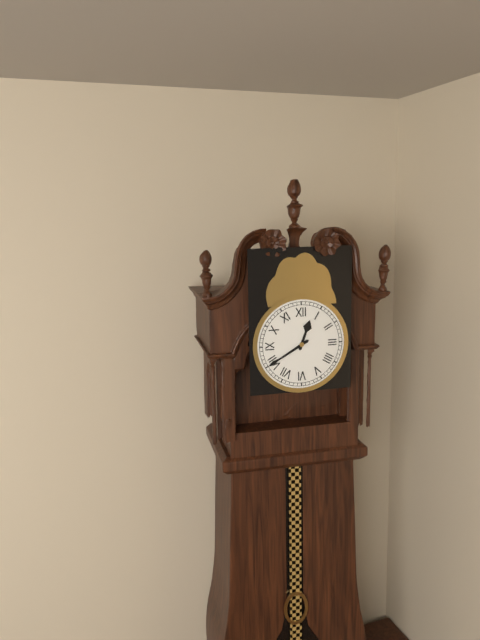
**12:40**
